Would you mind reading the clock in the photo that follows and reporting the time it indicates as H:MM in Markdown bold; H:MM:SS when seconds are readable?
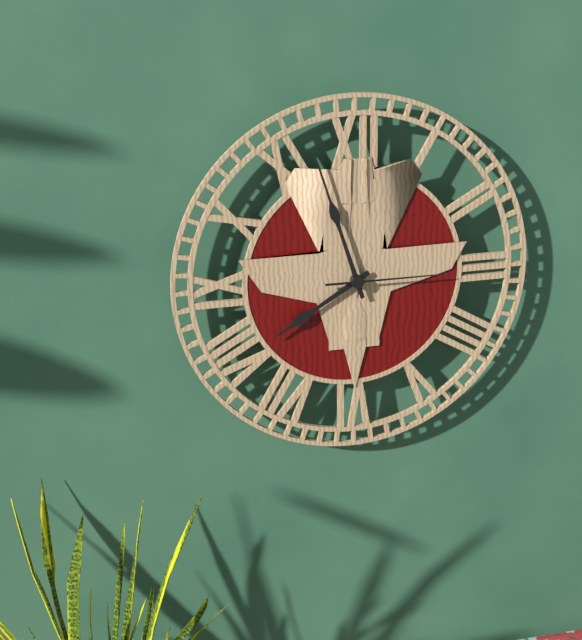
**7:57:15**
